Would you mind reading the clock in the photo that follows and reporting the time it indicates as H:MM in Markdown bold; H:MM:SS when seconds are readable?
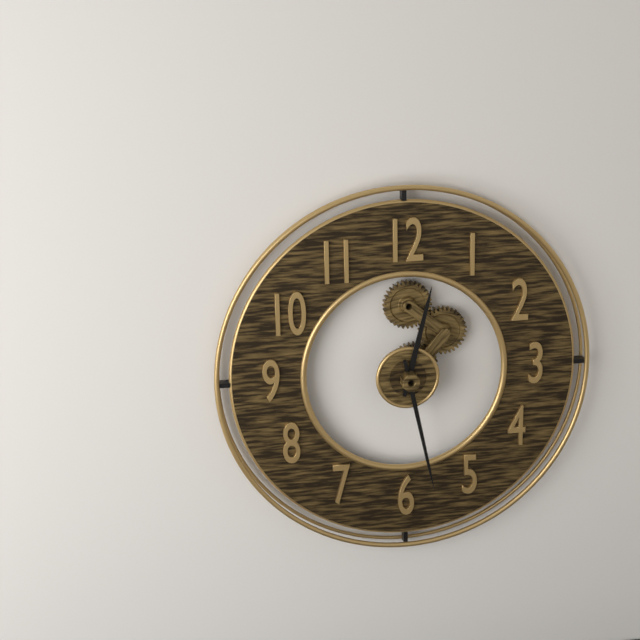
**12:28**
